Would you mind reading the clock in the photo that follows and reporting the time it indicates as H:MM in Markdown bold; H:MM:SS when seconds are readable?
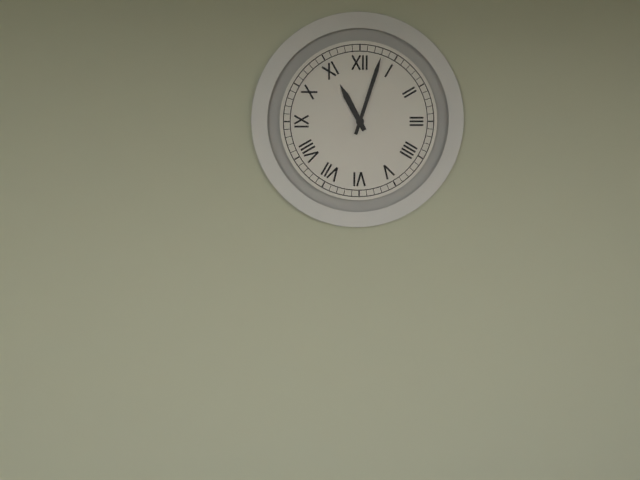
**11:03**
